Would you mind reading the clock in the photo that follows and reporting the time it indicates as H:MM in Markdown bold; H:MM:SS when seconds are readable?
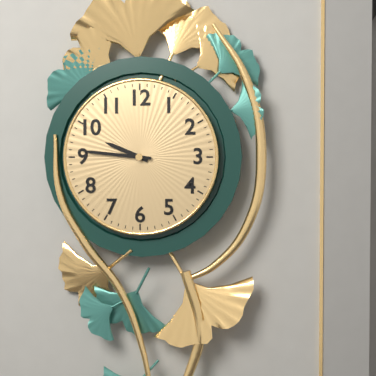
**9:46**
